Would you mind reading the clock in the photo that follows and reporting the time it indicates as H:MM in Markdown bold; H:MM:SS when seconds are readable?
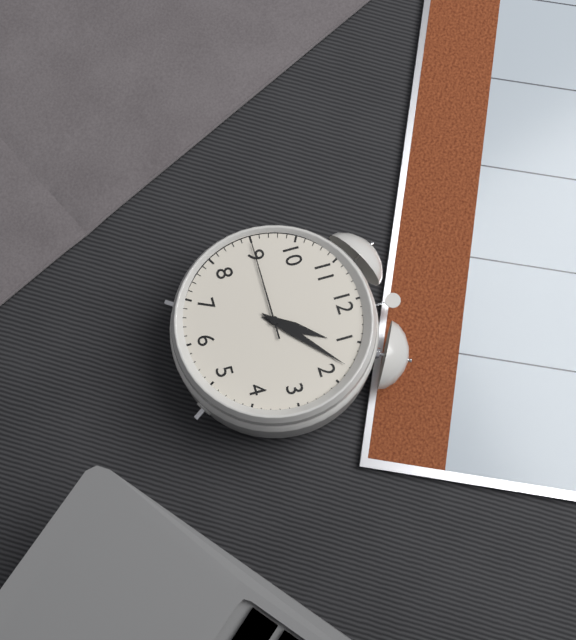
**1:08:45**
